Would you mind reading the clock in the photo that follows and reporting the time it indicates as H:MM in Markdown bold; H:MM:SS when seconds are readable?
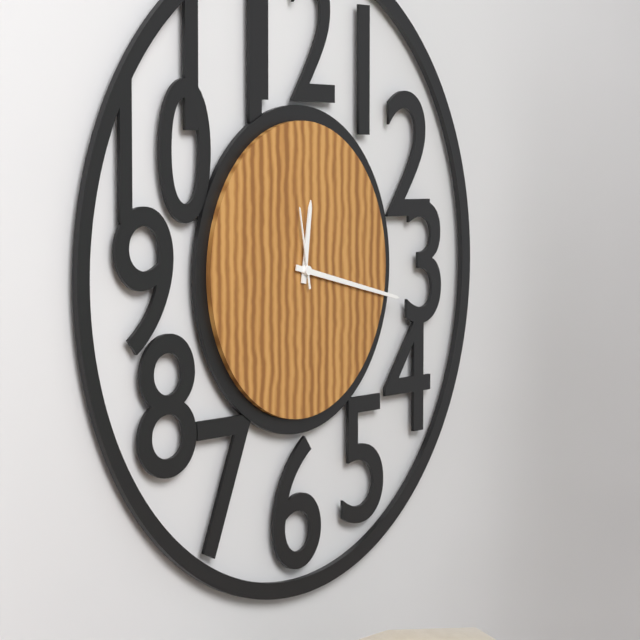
**12:17:58**
